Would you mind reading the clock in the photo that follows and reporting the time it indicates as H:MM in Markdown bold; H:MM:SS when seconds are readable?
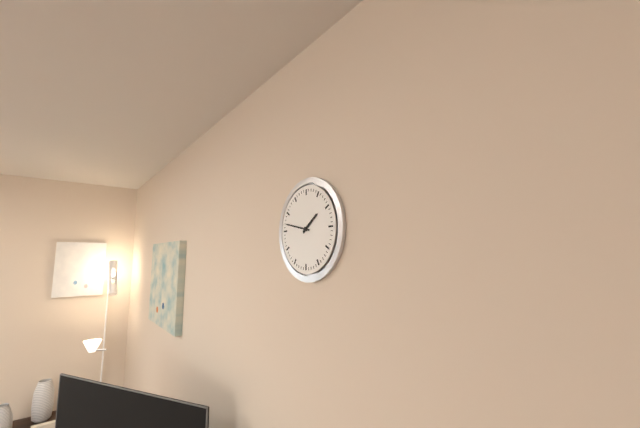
**1:47**
